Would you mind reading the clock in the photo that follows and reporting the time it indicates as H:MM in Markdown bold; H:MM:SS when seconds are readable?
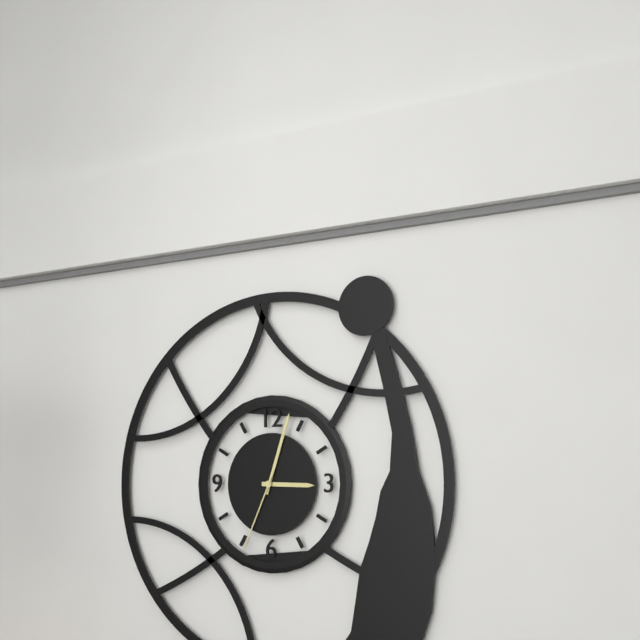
**3:03:34**
